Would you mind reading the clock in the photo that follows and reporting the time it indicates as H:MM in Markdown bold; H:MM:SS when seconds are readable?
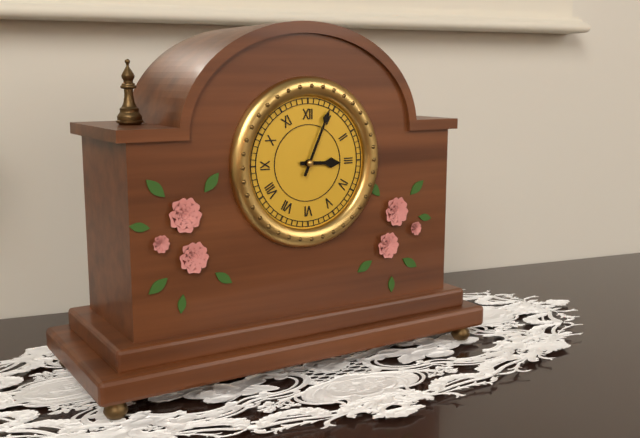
**3:04**
